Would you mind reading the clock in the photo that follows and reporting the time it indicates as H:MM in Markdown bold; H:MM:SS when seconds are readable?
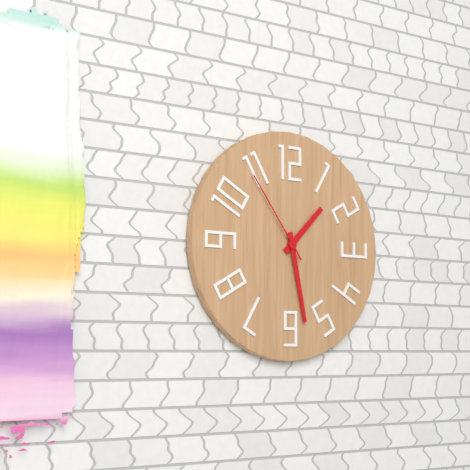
**1:28:54**
